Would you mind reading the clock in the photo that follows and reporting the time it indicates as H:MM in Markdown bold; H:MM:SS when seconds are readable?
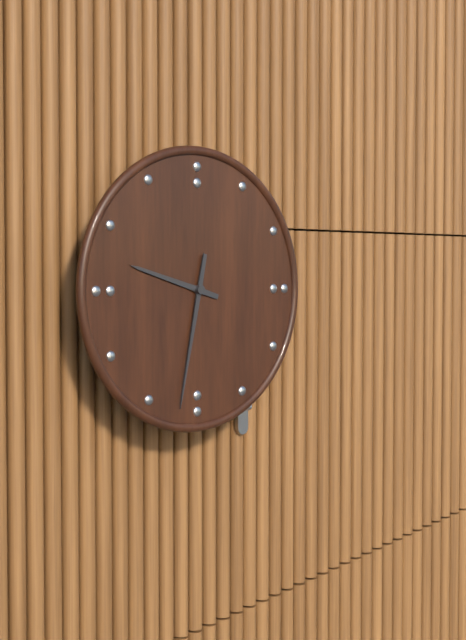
**9:32**
